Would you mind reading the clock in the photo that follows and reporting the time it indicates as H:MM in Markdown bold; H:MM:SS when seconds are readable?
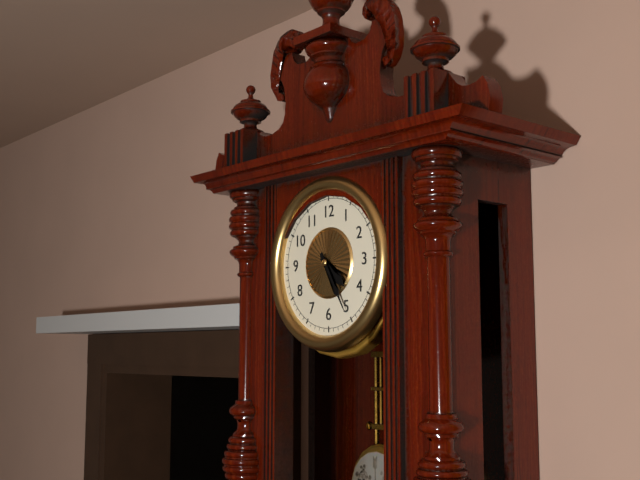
**4:25**
